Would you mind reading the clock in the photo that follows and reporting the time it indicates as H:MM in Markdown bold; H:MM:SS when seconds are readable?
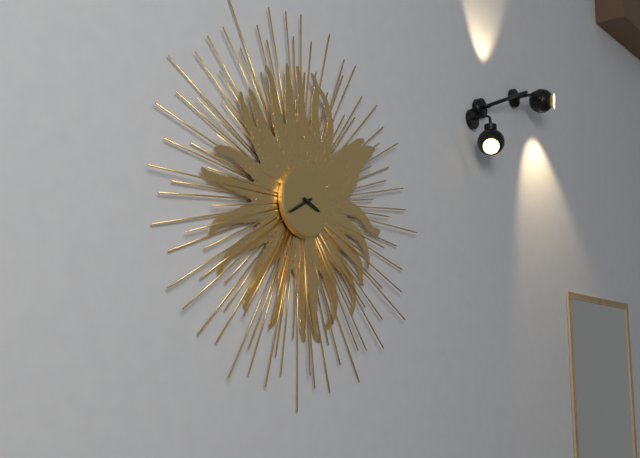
**3:40**
